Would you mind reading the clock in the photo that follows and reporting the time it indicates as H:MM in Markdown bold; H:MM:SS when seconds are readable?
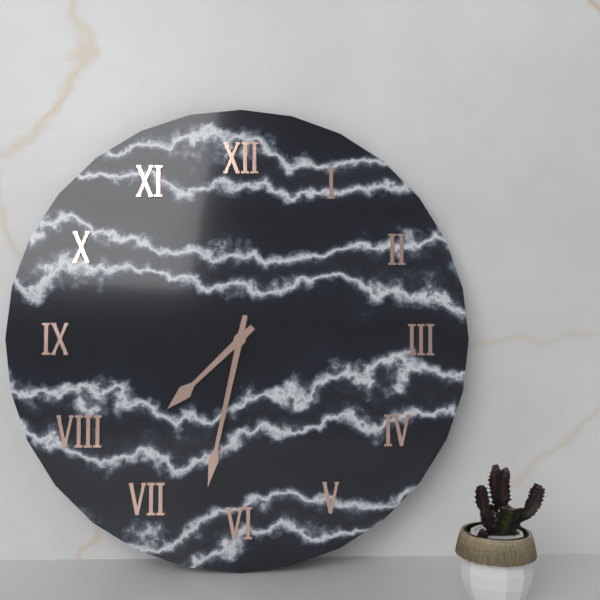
**7:32**
